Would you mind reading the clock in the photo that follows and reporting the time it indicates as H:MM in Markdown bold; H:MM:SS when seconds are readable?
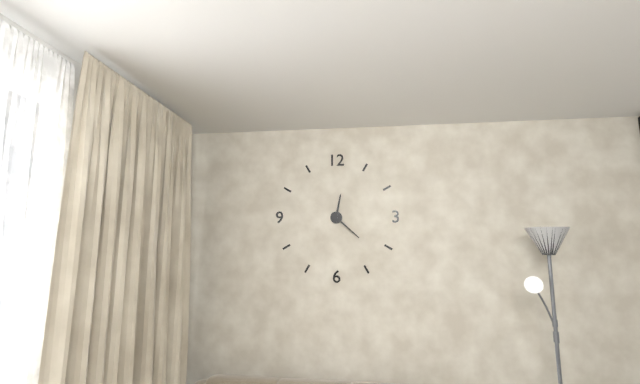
**12:22**
